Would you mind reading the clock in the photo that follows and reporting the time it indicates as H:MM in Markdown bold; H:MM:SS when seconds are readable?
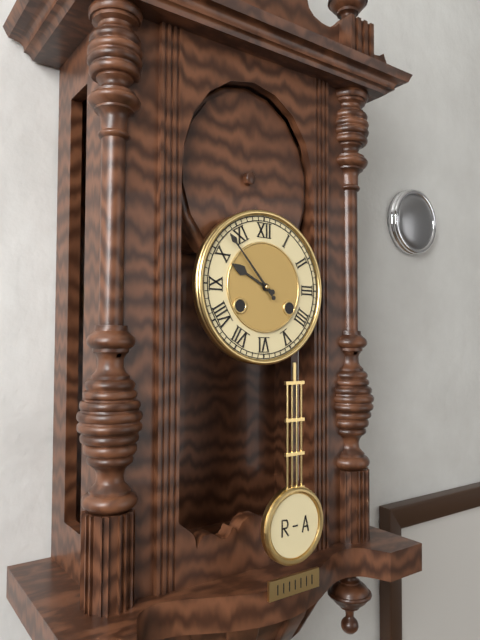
**9:53**
